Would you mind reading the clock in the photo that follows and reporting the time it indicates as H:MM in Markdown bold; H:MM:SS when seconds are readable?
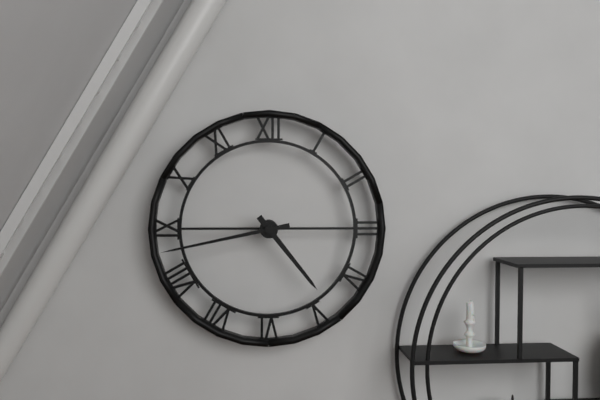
**4:43**
